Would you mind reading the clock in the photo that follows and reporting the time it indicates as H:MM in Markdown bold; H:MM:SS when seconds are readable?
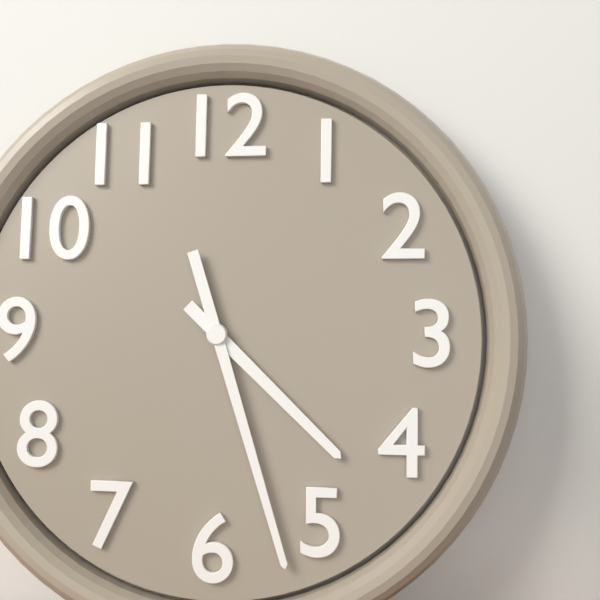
**4:27**
